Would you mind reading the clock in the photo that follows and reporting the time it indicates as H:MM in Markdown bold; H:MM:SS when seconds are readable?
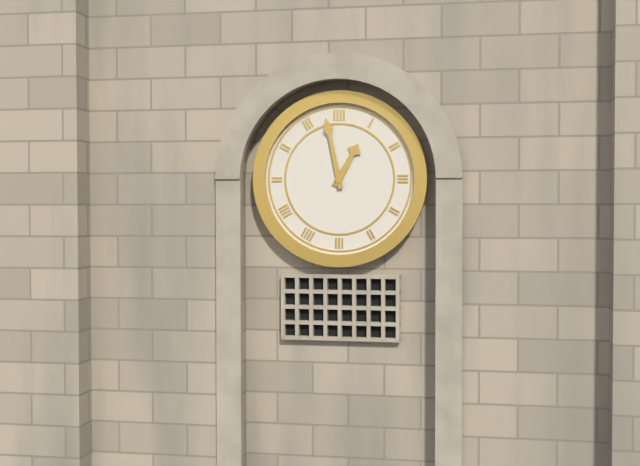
**12:58**
